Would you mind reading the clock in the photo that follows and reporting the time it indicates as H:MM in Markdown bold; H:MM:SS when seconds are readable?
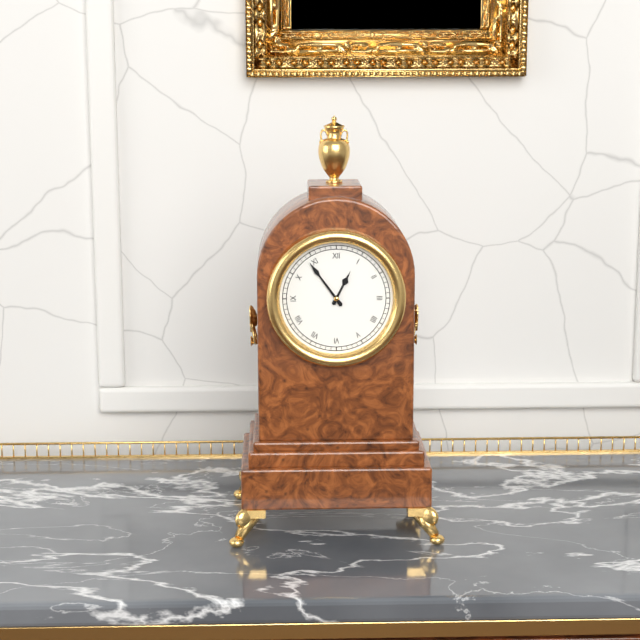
**12:54**
